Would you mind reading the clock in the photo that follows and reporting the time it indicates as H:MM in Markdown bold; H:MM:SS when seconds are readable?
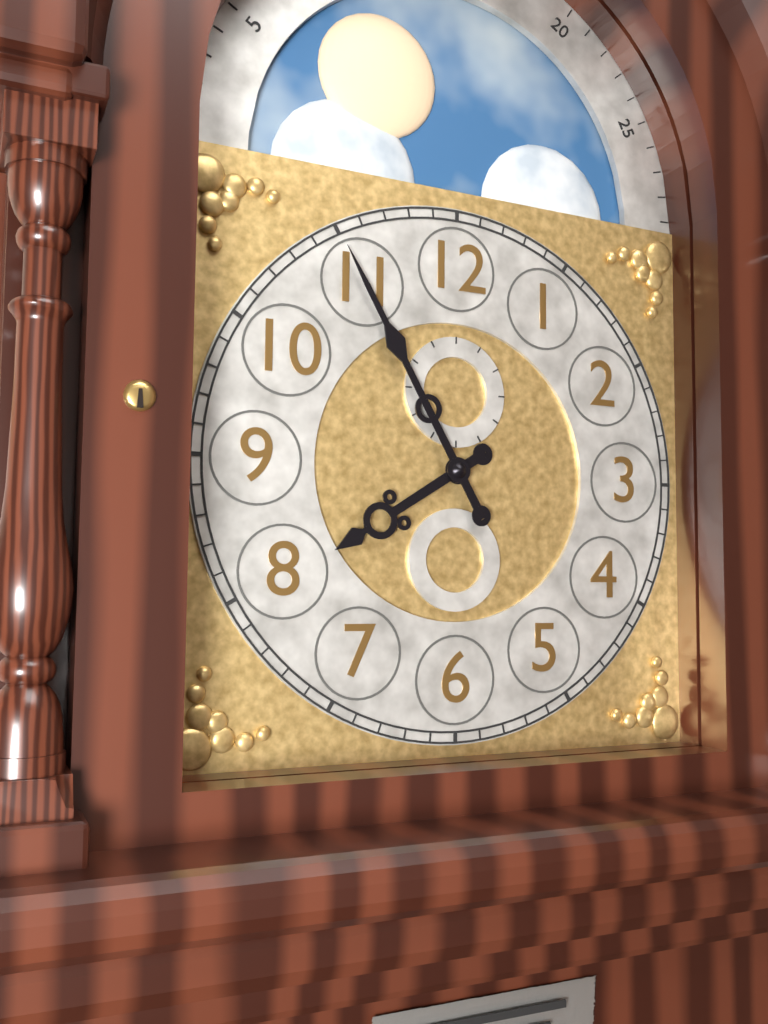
**7:55**
